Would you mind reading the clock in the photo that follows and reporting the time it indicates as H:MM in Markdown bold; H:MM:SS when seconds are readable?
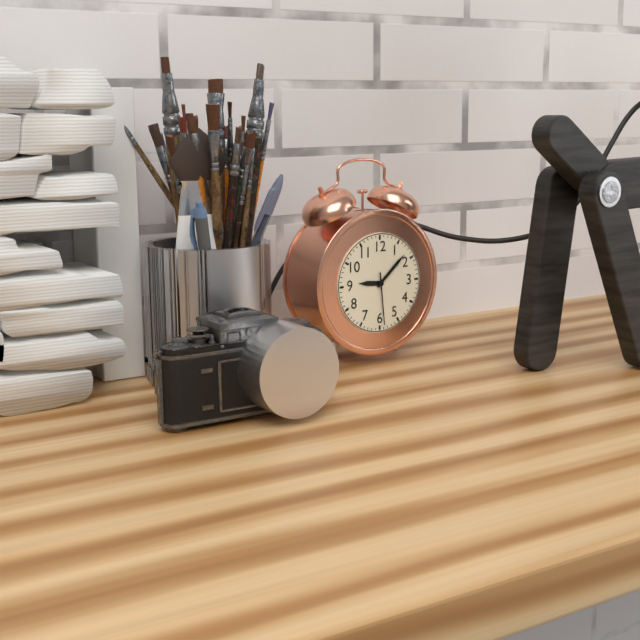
**9:08:29**
